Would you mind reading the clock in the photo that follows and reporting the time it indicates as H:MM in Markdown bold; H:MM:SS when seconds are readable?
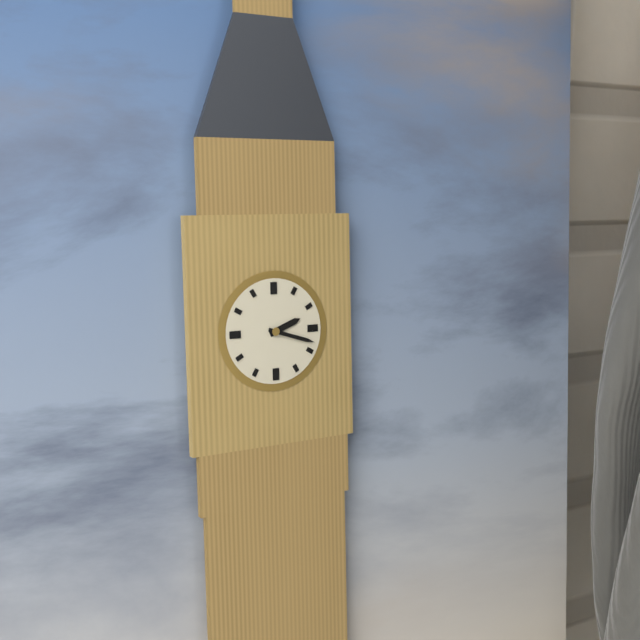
**2:18**
